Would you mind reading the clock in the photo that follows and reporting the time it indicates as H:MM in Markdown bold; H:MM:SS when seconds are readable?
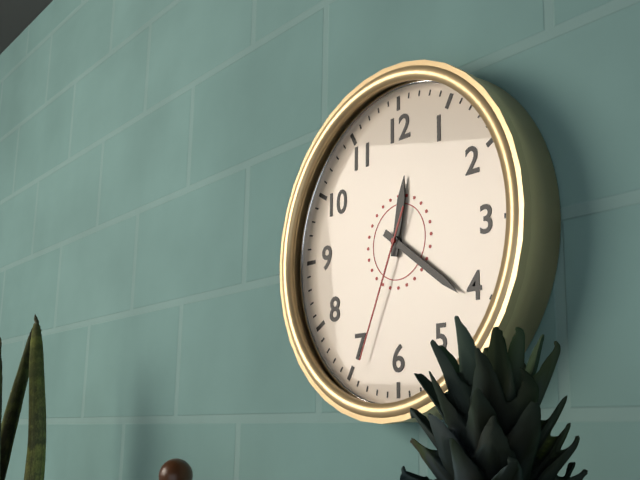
**12:21:34**
